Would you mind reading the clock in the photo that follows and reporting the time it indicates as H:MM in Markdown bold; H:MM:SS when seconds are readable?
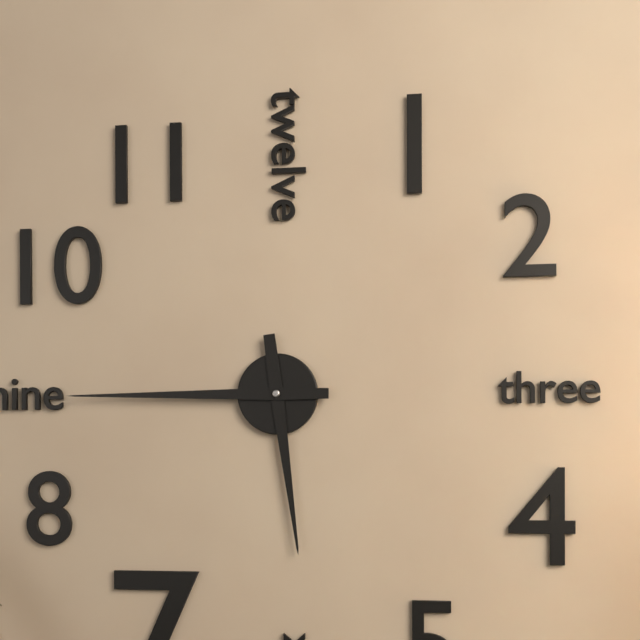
**5:45**
